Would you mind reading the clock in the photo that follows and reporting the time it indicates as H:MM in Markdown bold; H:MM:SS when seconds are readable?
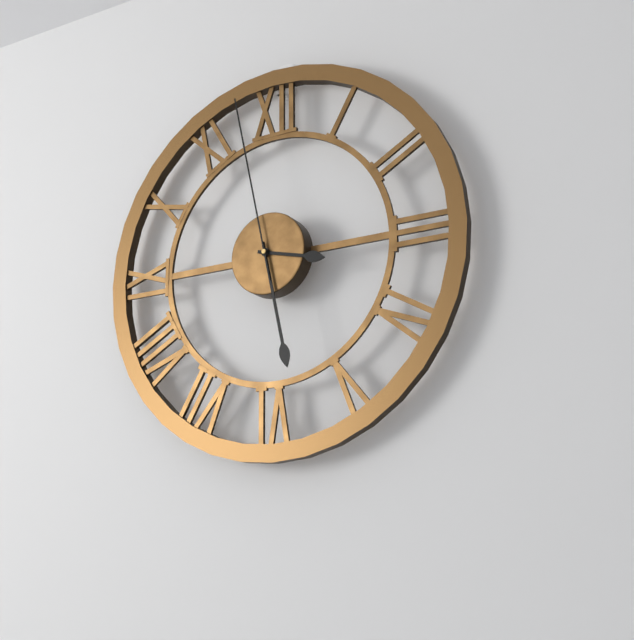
**3:28:58**
